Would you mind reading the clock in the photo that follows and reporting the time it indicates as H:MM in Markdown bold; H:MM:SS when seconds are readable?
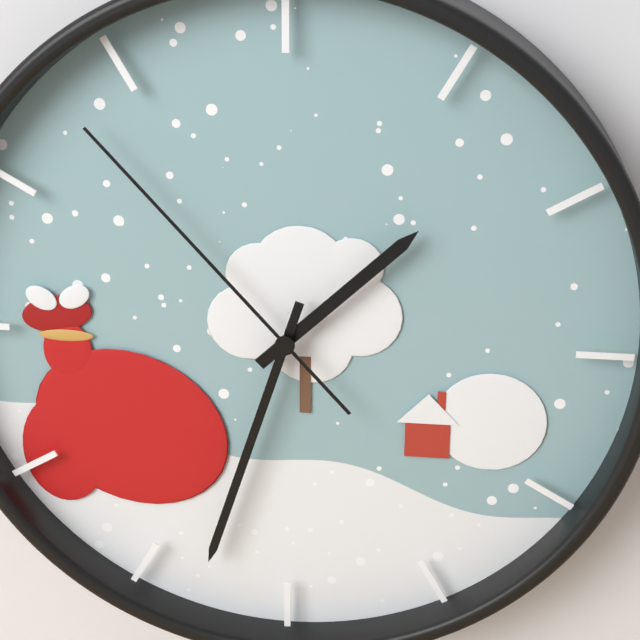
**1:33:53**
